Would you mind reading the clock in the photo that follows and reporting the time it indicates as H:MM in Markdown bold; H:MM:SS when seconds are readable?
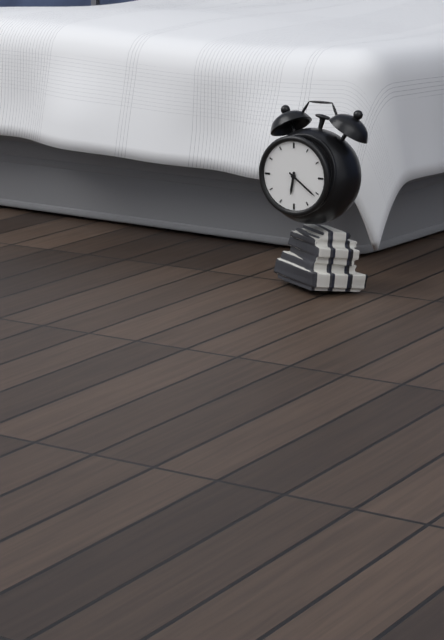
**6:21**
